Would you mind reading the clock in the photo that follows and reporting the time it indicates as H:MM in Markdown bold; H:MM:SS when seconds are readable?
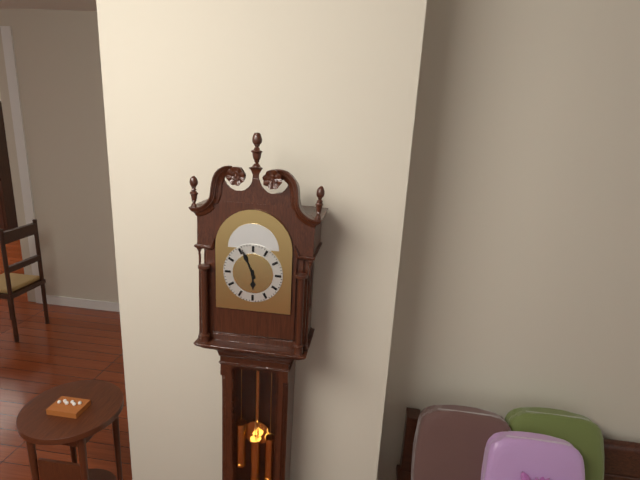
**5:56**
